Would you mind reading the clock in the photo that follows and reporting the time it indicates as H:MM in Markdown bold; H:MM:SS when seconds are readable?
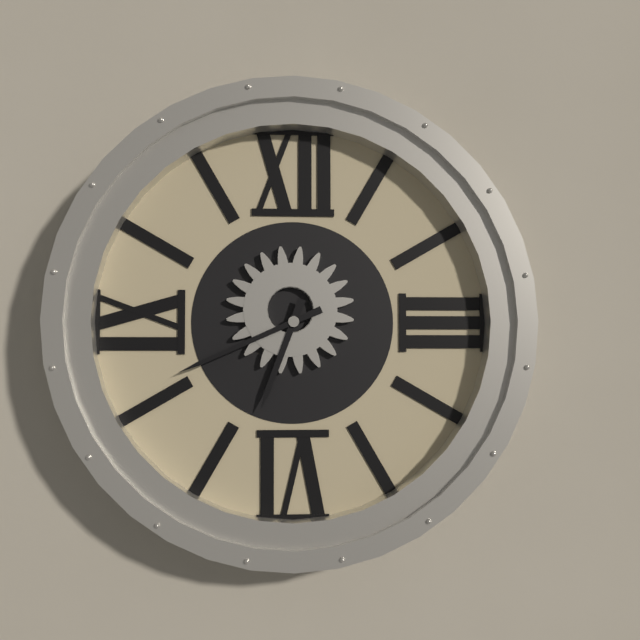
**6:41**
